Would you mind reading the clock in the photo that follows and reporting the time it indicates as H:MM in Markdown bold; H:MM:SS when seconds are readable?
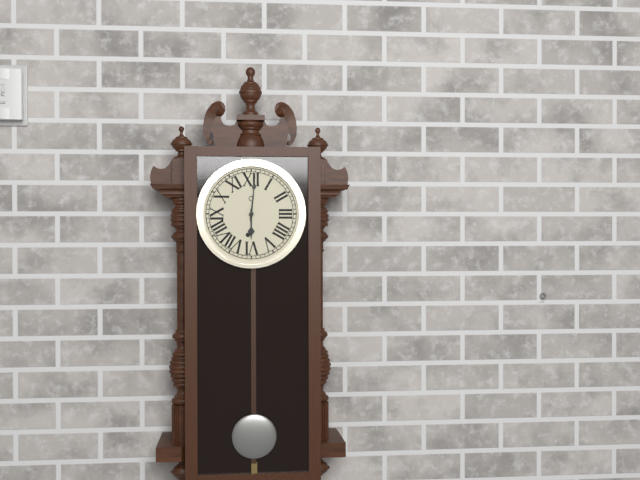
**6:01**
